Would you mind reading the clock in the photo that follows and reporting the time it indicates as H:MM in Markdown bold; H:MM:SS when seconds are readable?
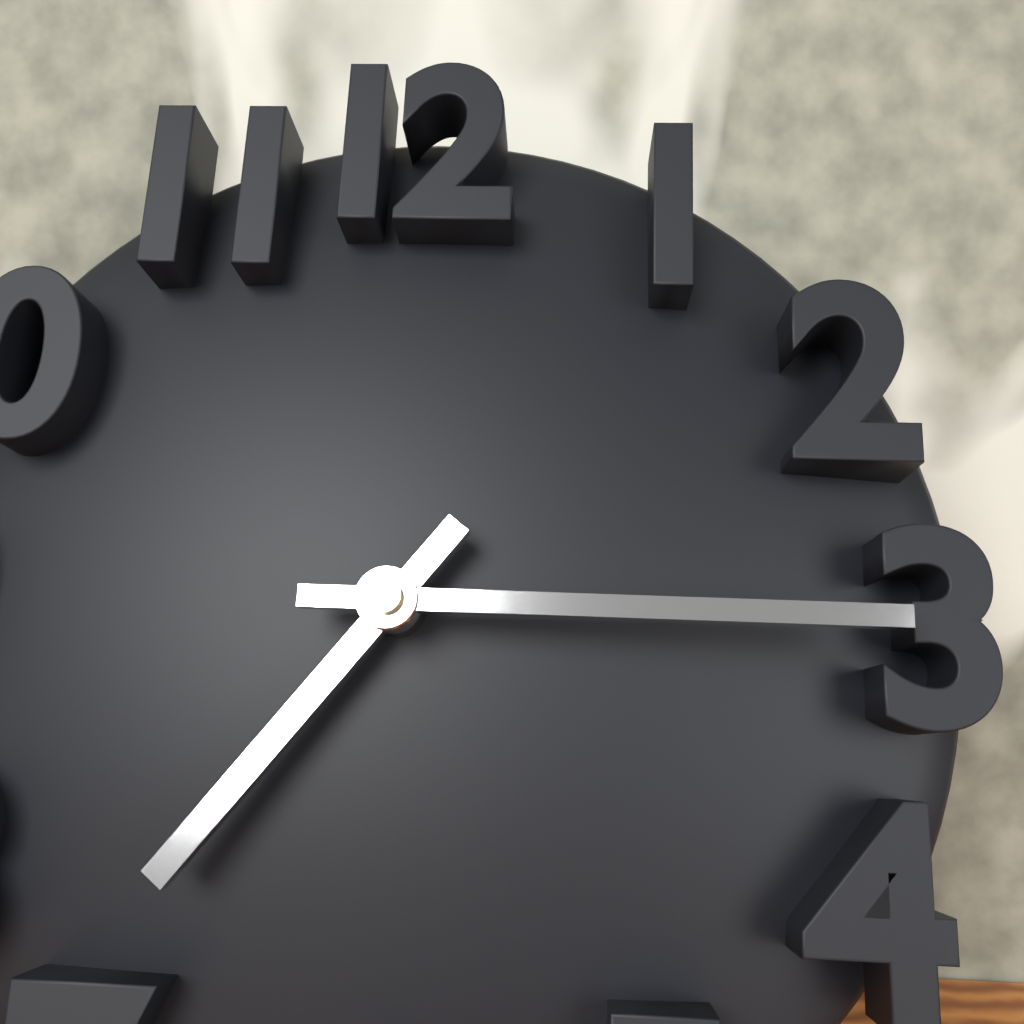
**7:15**
